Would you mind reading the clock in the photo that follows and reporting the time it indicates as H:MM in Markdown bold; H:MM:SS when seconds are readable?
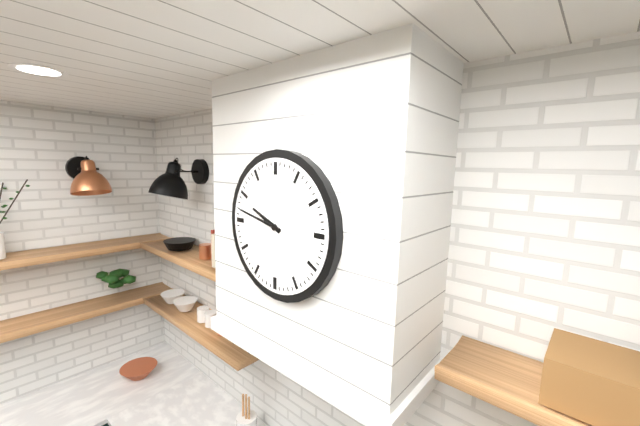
**9:47**
